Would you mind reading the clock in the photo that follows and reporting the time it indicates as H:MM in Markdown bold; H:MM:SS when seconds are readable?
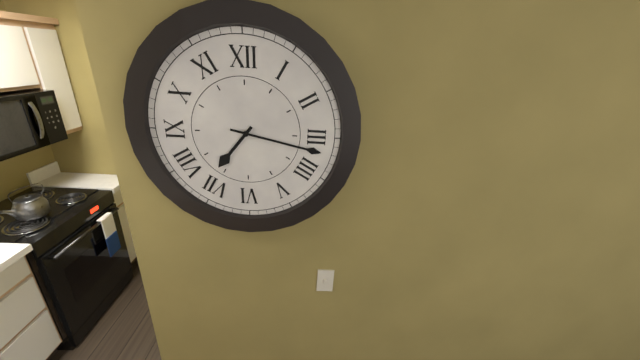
**7:17**
